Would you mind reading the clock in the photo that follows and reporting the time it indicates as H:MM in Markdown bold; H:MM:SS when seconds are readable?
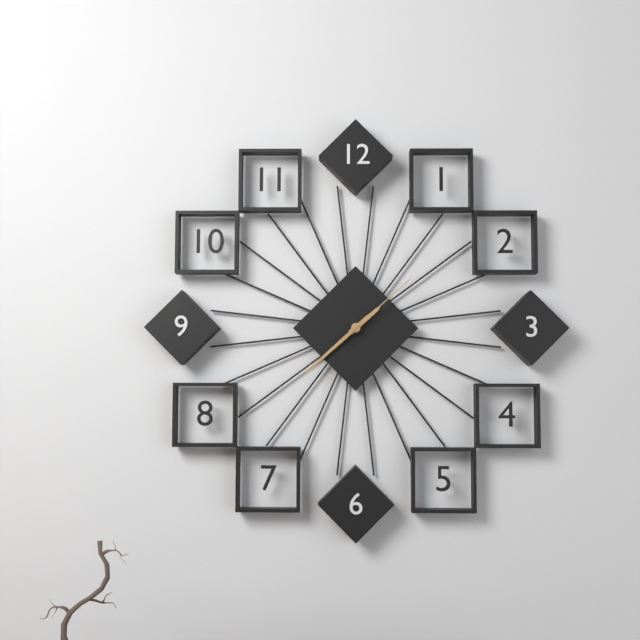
**1:38:08**
